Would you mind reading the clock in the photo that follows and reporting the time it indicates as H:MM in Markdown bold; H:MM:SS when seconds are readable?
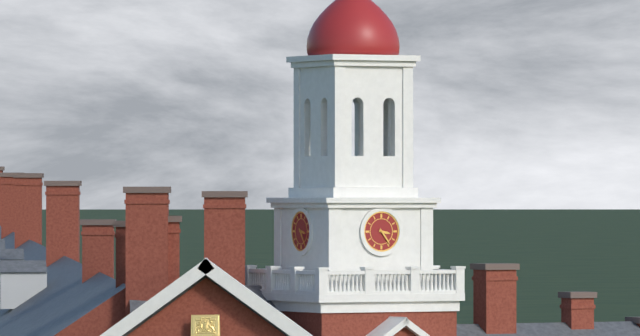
**3:24**
